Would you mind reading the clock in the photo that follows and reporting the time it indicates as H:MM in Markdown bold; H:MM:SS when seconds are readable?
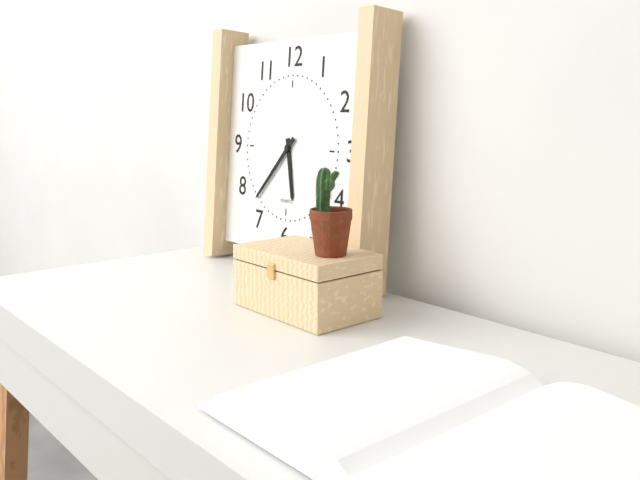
**5:37**
